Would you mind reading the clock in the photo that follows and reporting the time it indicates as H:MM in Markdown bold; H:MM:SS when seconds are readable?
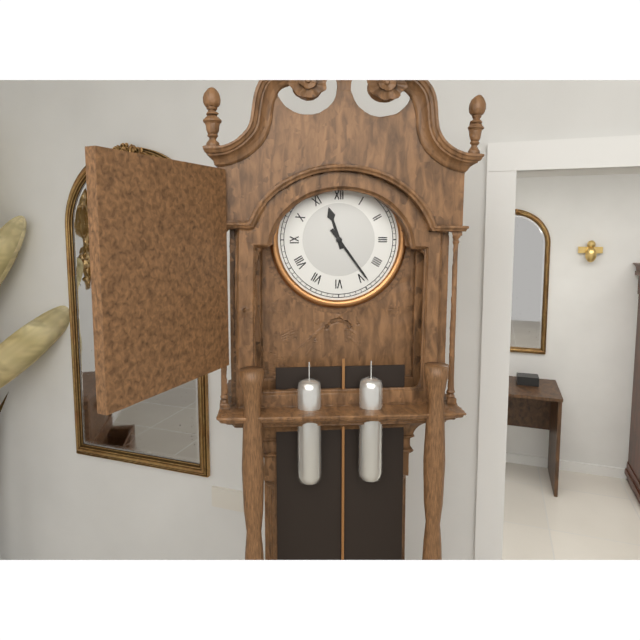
**11:24**
